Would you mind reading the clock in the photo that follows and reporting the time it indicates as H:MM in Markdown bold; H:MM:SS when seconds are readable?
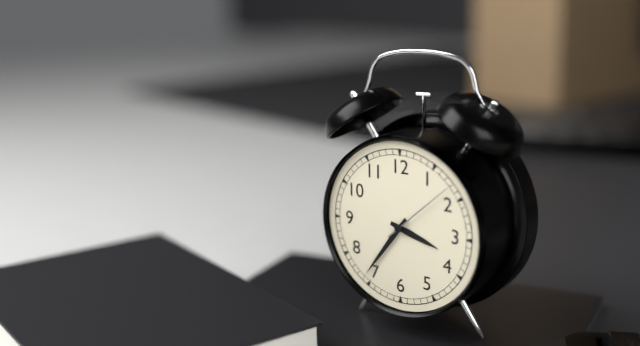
**3:36:08**
